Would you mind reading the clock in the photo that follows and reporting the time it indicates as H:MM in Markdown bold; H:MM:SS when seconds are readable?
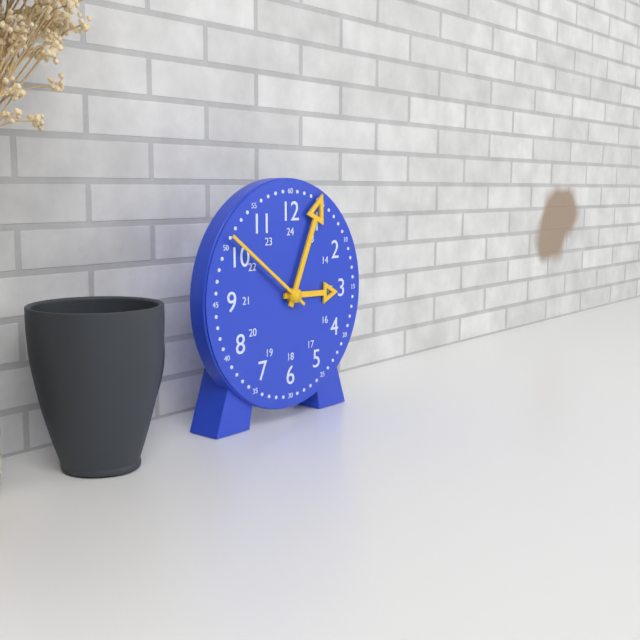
**3:04:51**
